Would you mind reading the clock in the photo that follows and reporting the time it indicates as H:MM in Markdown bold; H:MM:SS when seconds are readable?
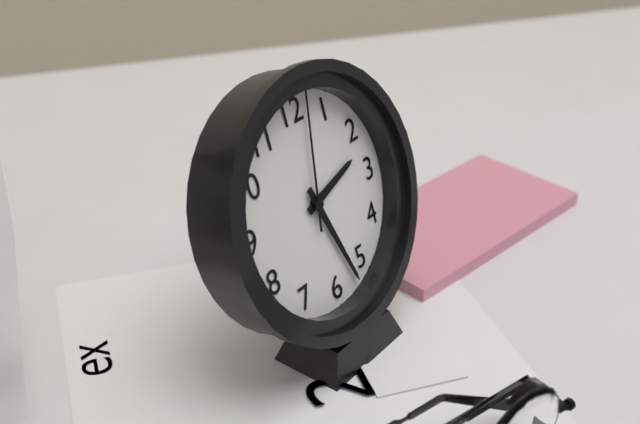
**2:27:02**
